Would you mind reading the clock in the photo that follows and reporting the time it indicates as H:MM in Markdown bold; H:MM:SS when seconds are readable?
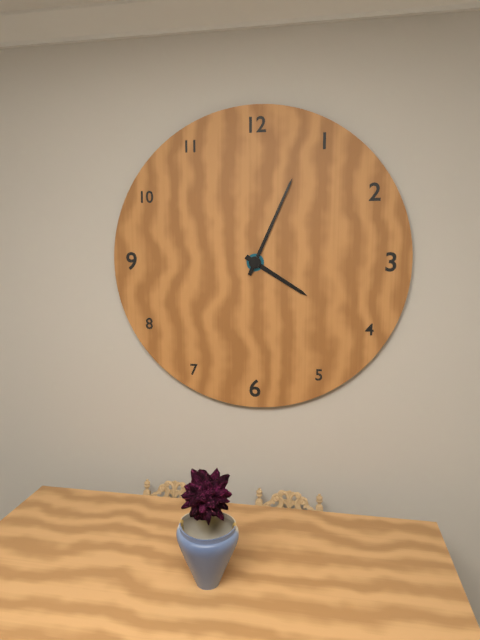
**4:04**
